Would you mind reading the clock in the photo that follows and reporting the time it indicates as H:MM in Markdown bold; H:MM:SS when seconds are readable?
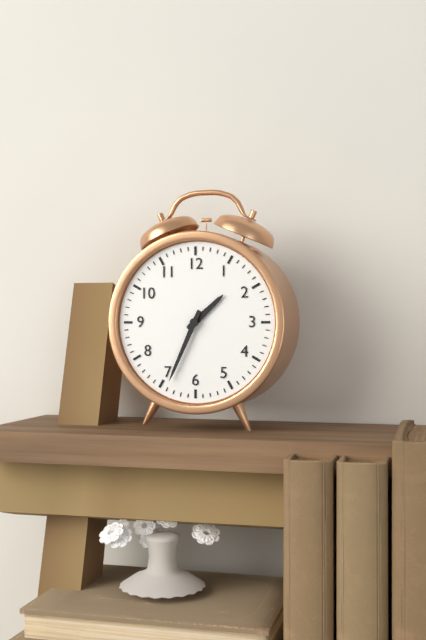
**1:34**
